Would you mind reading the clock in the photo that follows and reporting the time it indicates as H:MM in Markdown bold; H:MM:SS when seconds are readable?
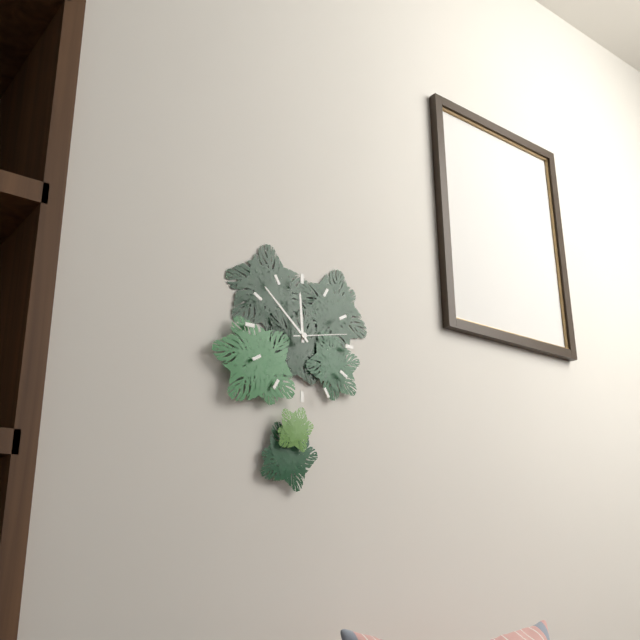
**11:52:13**
